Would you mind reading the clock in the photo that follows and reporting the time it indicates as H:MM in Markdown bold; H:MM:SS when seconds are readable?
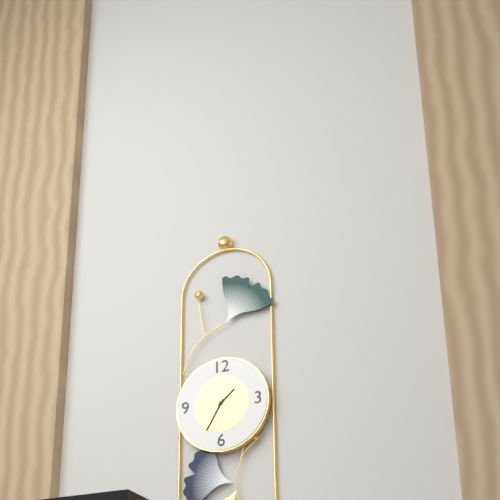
**1:35**
